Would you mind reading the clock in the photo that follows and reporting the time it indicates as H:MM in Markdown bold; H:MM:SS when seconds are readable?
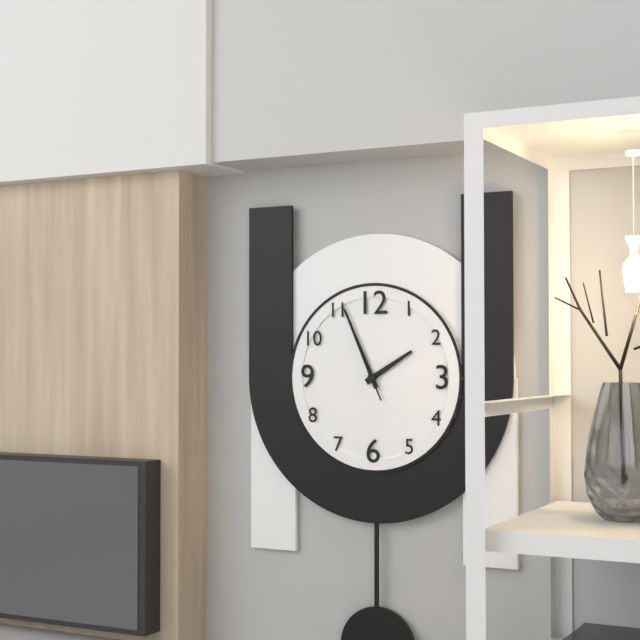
**1:56:56**
